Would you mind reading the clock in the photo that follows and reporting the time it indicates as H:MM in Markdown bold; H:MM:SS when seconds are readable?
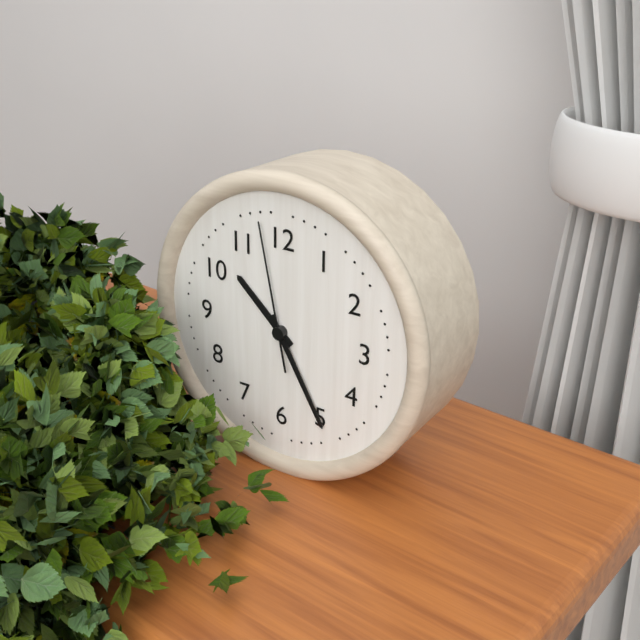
**10:25:58**
